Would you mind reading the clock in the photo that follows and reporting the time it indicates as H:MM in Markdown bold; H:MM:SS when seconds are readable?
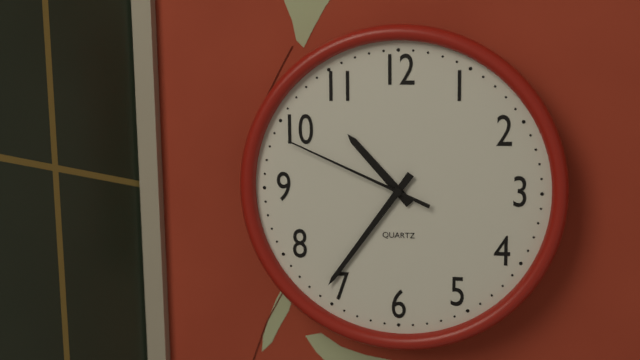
**10:36:49**
